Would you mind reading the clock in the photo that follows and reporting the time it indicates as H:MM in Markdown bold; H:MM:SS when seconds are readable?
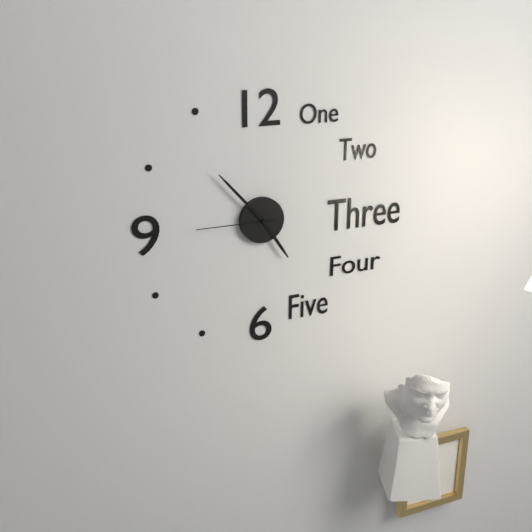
**4:53:45**
